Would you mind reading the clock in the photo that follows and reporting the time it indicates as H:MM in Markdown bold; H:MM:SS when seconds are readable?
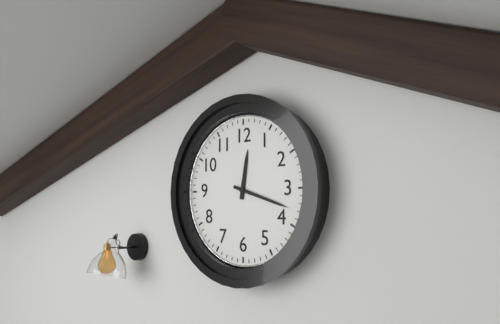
**12:18**
